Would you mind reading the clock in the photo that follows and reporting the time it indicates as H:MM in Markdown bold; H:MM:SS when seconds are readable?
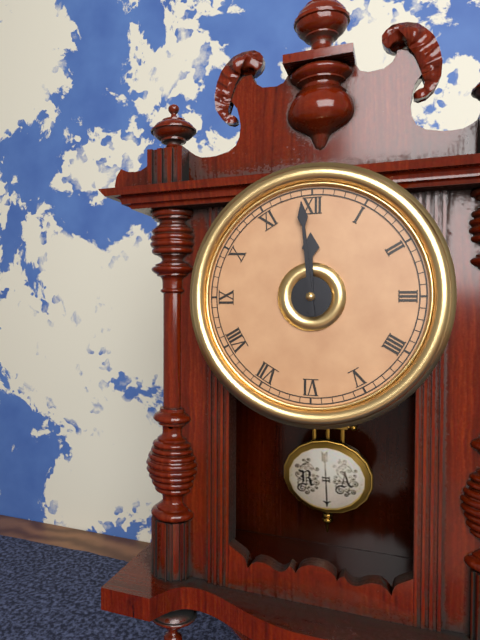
**11:59**
